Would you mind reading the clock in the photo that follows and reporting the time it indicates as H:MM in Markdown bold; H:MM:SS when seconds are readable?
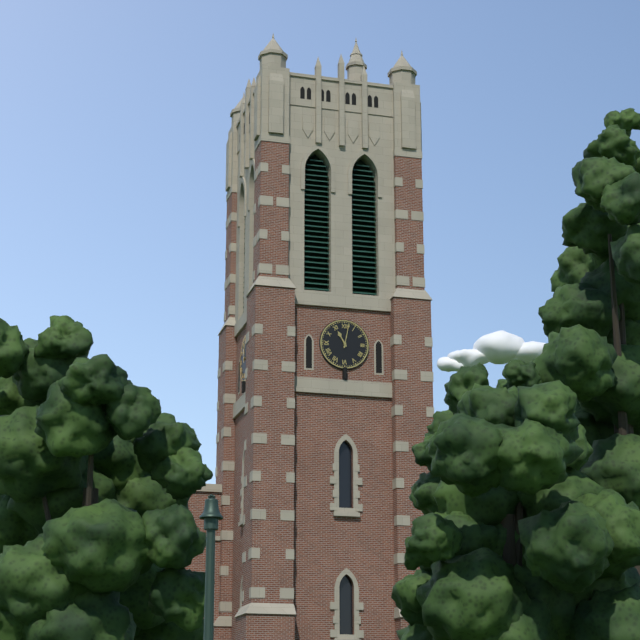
**11:02**
